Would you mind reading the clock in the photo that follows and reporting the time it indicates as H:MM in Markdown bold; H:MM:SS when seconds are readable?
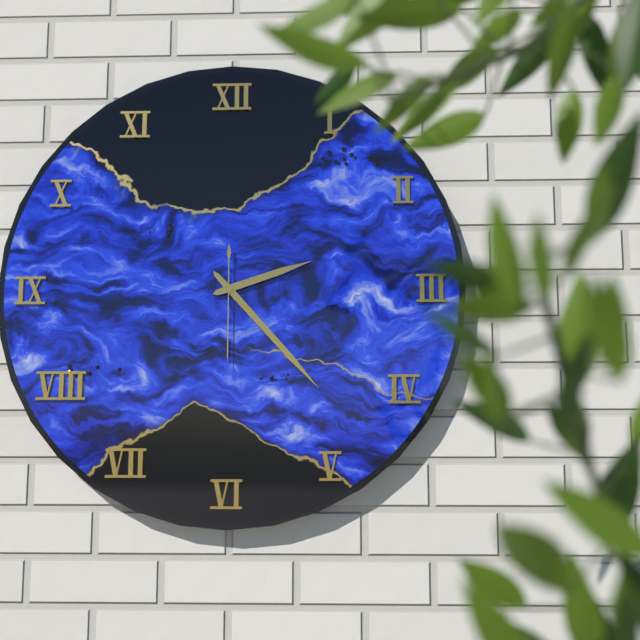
**2:23:30**
